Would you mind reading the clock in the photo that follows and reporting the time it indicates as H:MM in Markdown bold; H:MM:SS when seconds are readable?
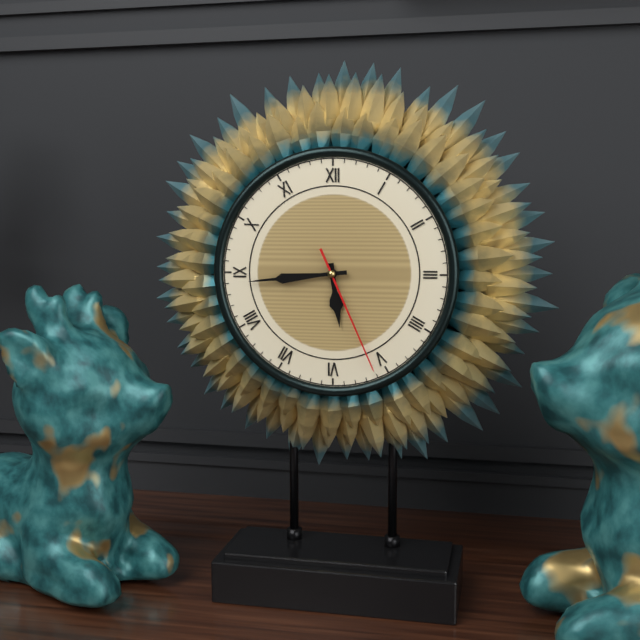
**5:44:26**
